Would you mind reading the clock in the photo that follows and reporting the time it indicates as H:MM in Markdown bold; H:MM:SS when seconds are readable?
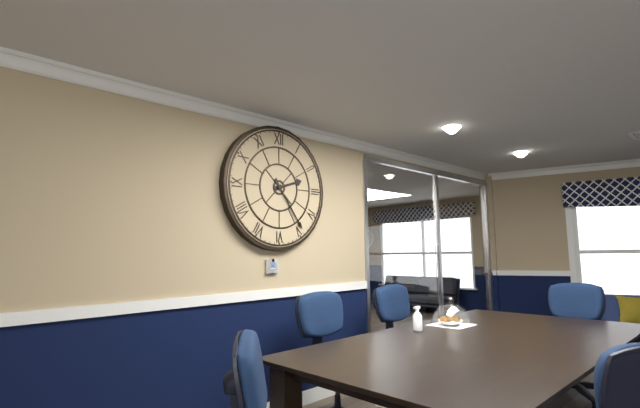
**2:24**
